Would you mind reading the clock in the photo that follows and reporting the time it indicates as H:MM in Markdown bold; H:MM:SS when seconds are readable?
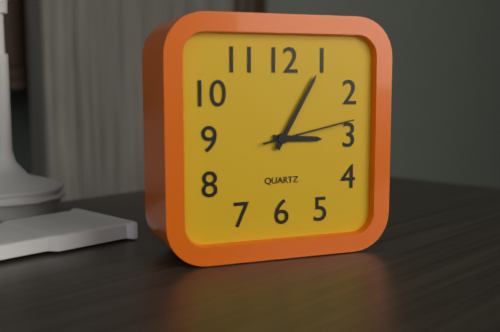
**3:05:13**
